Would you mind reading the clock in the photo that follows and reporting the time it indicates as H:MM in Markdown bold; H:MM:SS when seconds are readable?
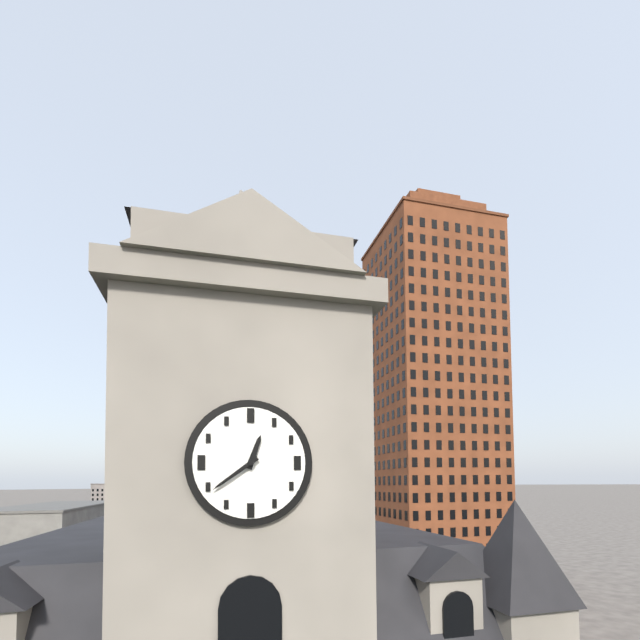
**12:39**
